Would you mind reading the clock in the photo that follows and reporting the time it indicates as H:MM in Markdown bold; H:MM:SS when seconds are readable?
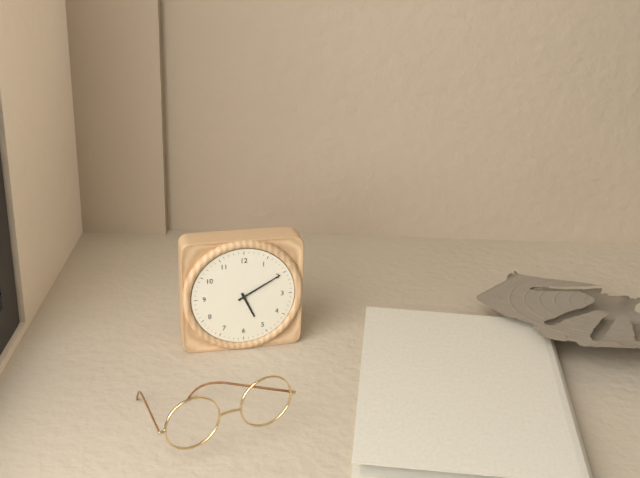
**5:10**
